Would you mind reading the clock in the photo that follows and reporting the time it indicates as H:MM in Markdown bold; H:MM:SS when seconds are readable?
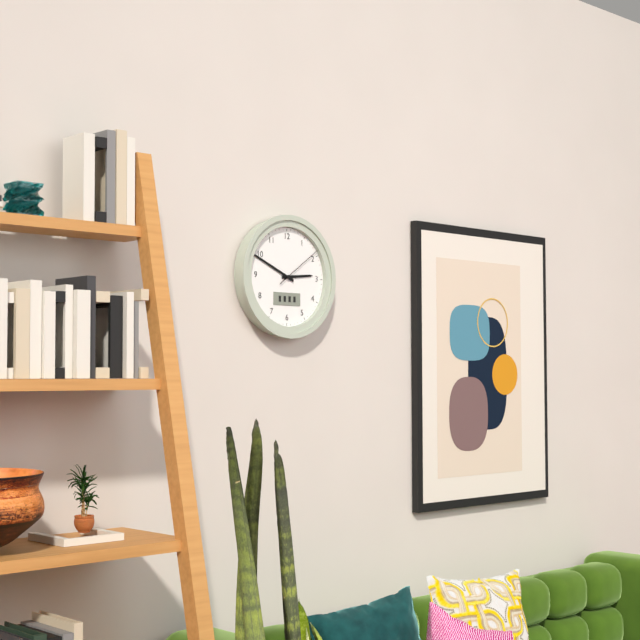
**2:49:09**
